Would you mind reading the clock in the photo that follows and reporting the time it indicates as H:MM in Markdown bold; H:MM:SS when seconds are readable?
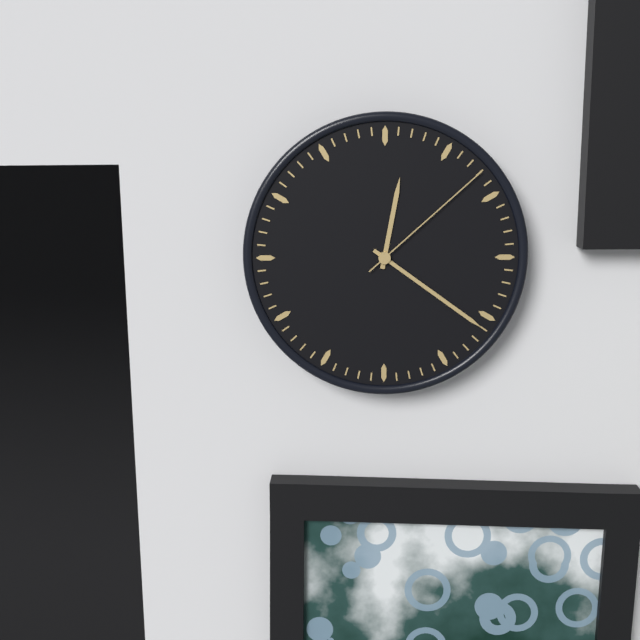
**12:21:08**
